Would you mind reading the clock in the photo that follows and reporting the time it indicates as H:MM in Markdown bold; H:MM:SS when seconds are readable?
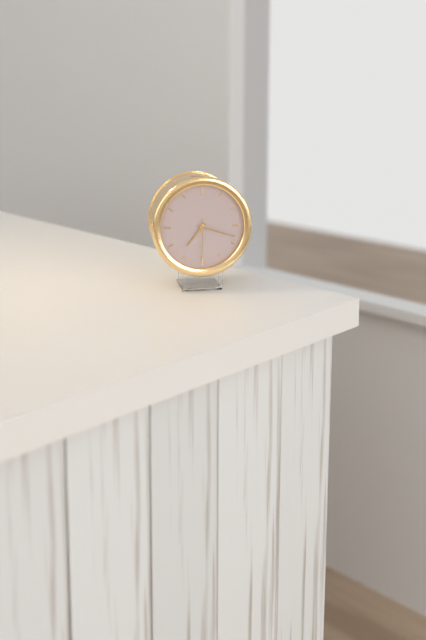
**7:18**
